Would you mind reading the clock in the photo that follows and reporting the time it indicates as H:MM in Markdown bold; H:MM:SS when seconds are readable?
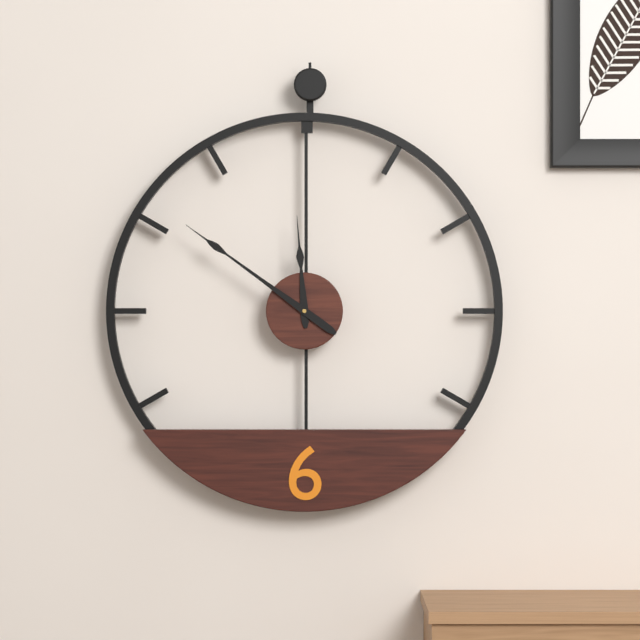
**11:51**
